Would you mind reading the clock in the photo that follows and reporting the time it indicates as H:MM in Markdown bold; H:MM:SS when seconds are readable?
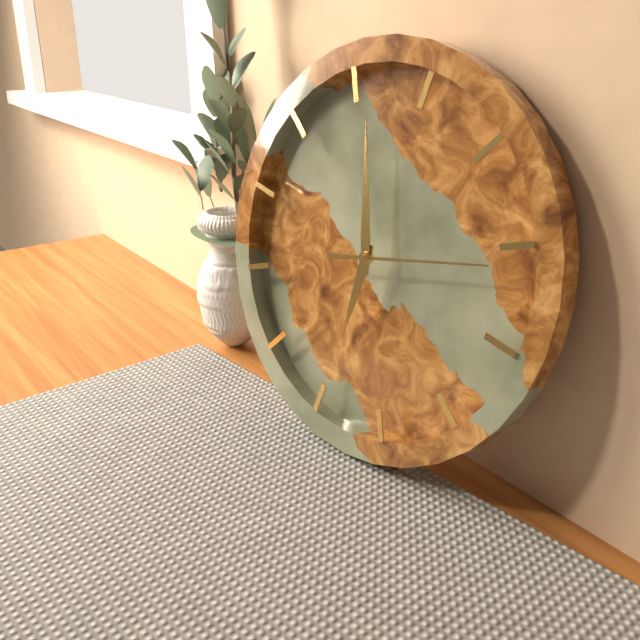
**5:56:11**
